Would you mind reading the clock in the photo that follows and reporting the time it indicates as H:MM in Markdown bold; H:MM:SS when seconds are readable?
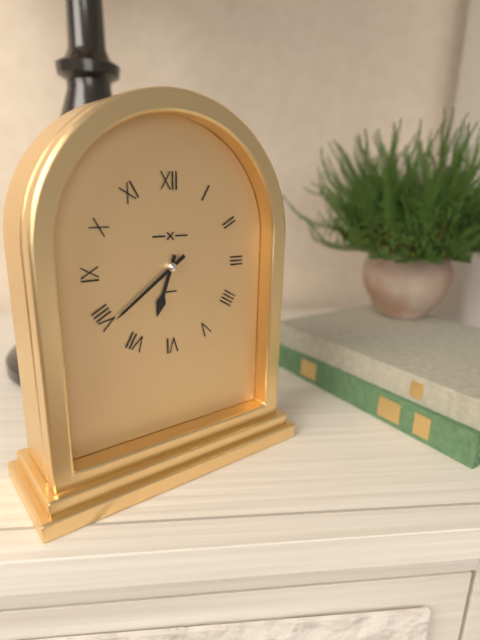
**6:39**
